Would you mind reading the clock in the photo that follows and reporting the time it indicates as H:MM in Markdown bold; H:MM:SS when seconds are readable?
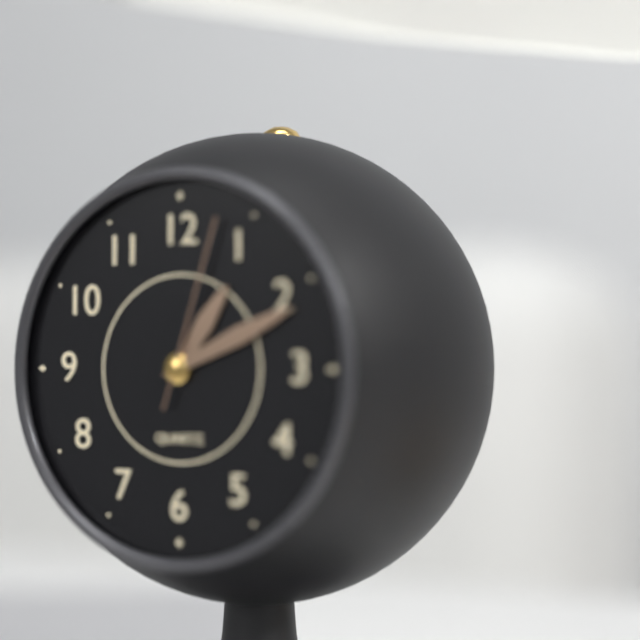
**1:11:03**
